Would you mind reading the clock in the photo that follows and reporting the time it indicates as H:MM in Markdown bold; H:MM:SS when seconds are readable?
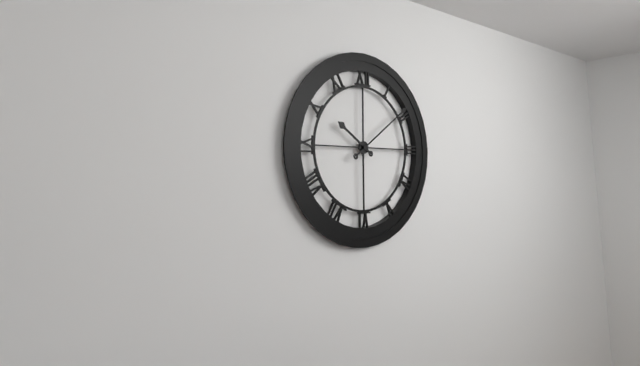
**10:09**
